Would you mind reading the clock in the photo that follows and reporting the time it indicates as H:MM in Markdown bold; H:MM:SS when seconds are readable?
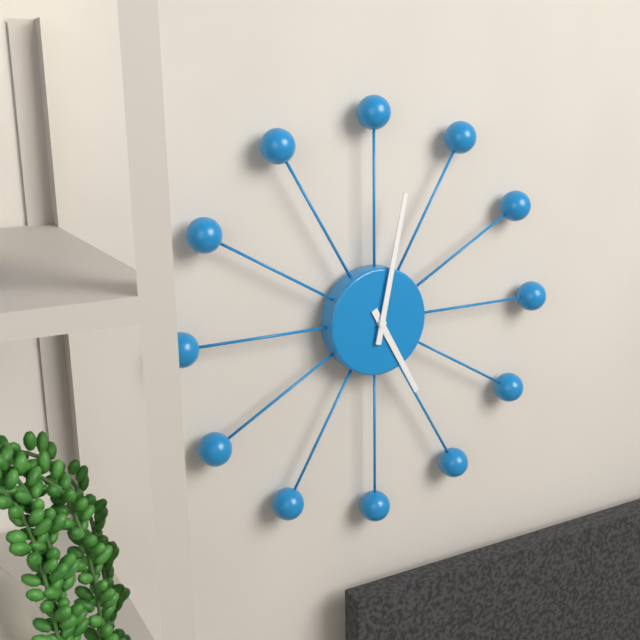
**5:02**
